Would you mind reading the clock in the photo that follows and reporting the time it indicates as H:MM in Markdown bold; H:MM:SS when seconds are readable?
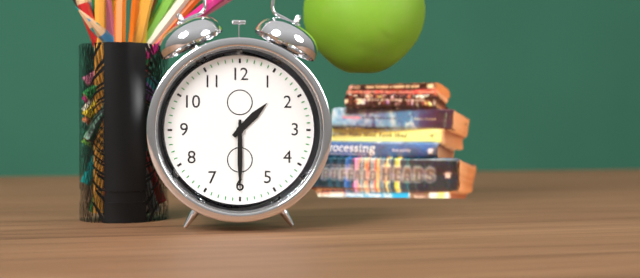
**1:30**
